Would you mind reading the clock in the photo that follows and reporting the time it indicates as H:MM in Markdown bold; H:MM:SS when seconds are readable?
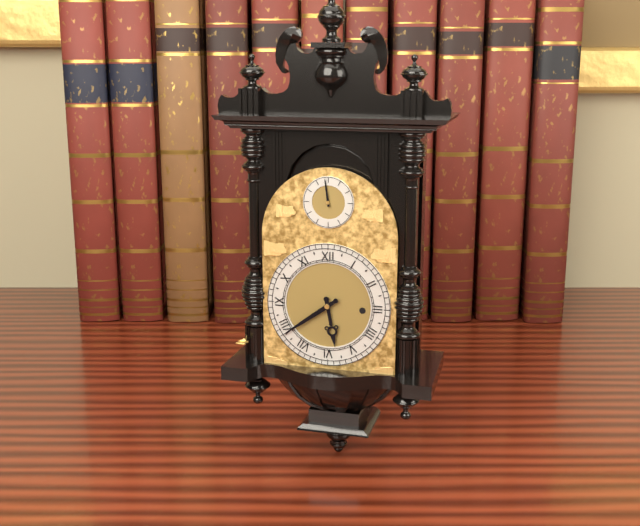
**5:39**
